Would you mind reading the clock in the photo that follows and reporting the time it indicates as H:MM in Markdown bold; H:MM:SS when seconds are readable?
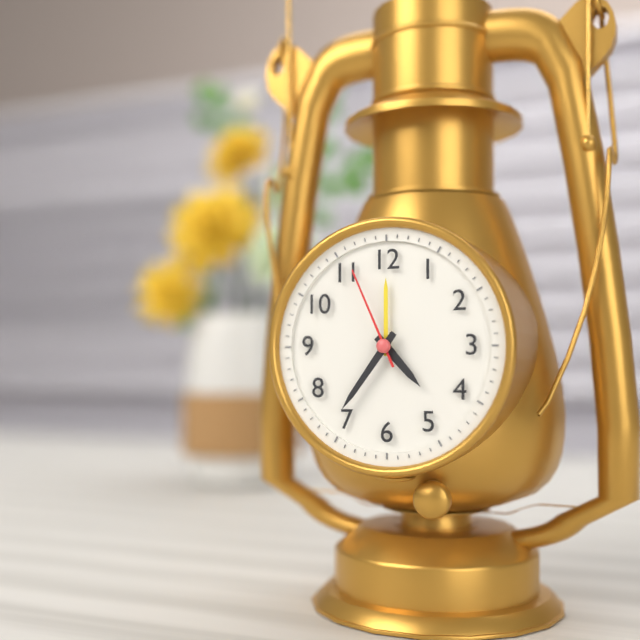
**4:36:56**
